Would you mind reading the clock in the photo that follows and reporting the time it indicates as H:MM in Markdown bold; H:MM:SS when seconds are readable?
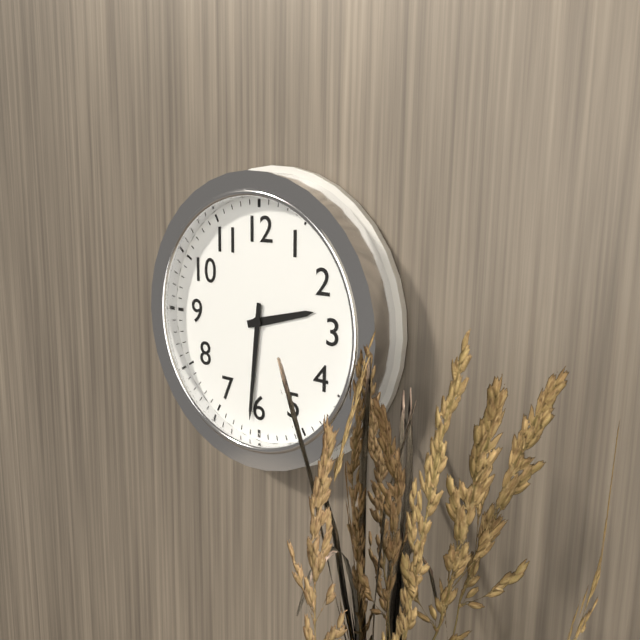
**2:31**
